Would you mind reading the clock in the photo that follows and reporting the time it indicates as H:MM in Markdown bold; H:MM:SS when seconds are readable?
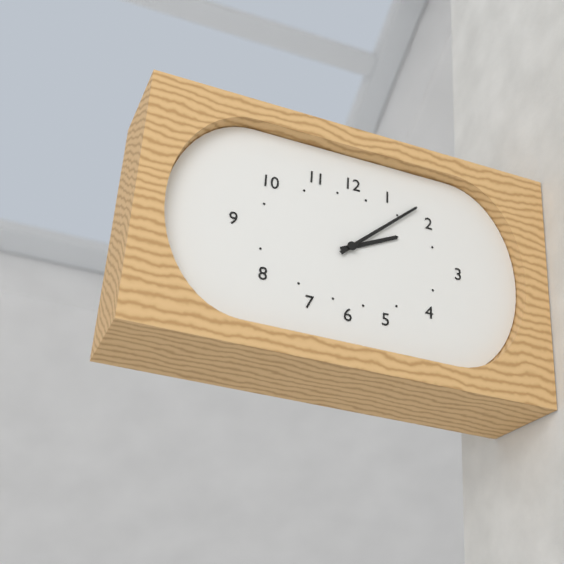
**2:08**
